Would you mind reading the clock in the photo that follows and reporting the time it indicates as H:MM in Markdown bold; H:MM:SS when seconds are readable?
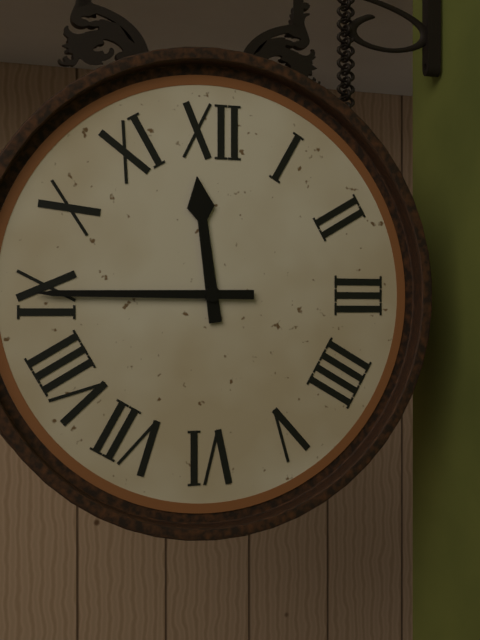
**11:45**
